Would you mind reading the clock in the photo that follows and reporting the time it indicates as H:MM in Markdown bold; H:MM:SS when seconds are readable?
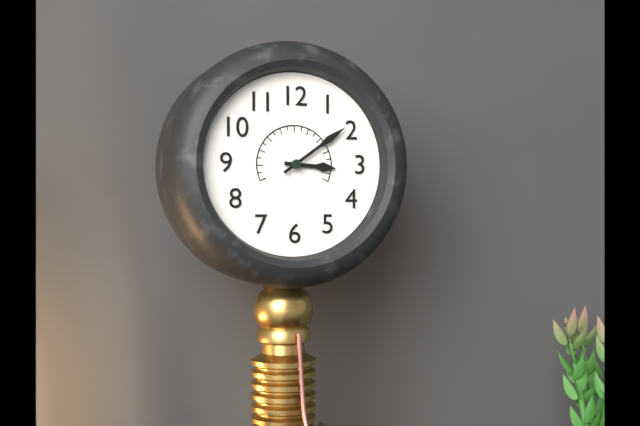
**3:09**
